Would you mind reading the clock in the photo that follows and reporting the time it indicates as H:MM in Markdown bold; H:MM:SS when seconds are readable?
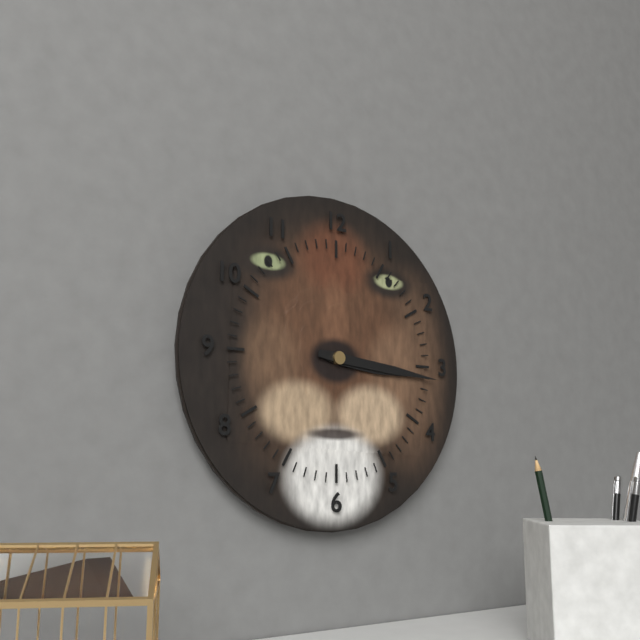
**3:16**
